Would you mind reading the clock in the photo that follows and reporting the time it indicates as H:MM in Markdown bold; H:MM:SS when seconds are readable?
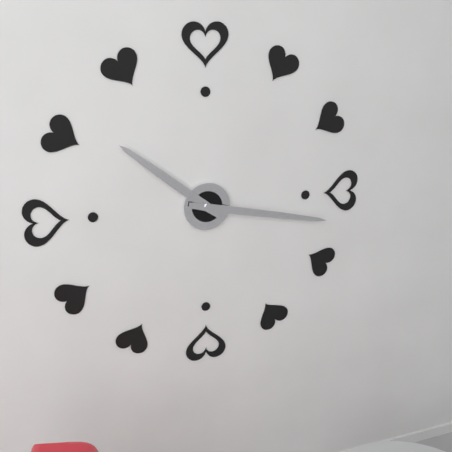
**10:17**
